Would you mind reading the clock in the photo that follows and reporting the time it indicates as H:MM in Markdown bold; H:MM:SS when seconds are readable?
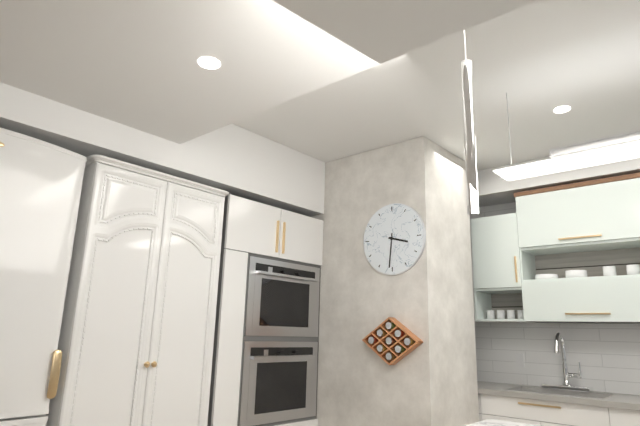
**3:31**
